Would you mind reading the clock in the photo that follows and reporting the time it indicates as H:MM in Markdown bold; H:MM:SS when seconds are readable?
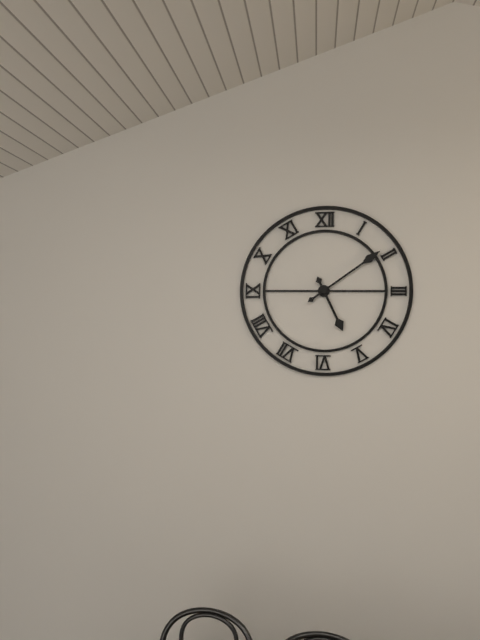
**5:09**
